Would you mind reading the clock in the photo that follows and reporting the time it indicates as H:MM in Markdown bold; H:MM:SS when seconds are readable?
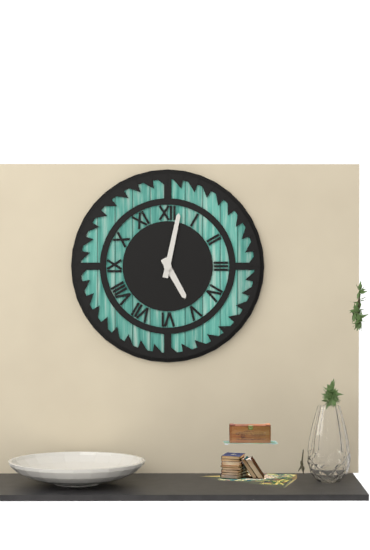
**5:02**
